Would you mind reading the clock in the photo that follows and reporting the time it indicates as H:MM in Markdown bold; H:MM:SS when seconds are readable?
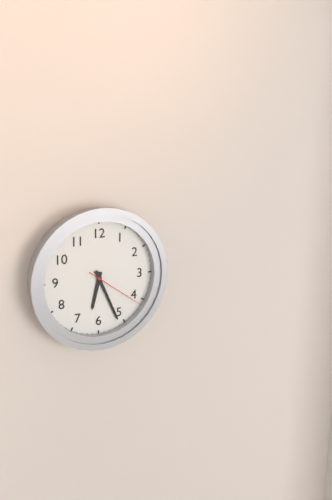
**6:26:21**
